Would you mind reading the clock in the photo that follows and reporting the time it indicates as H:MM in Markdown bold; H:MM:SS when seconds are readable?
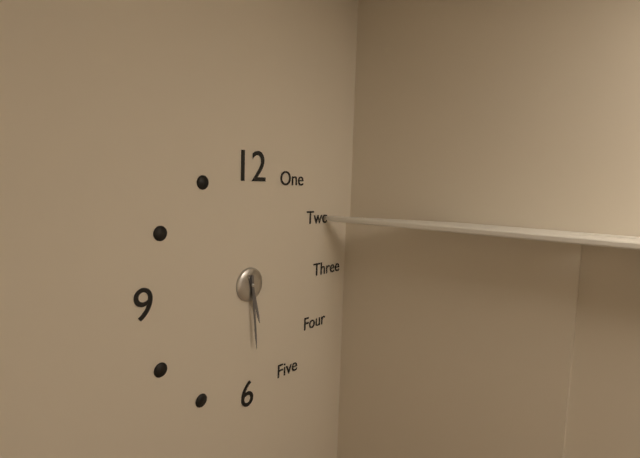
**5:29**
